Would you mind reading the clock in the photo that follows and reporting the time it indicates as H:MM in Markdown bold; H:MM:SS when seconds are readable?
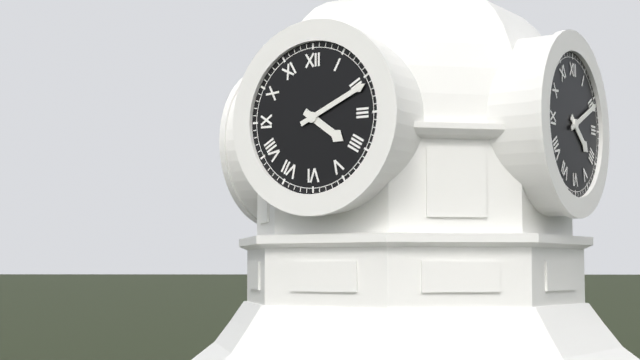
**4:11**
